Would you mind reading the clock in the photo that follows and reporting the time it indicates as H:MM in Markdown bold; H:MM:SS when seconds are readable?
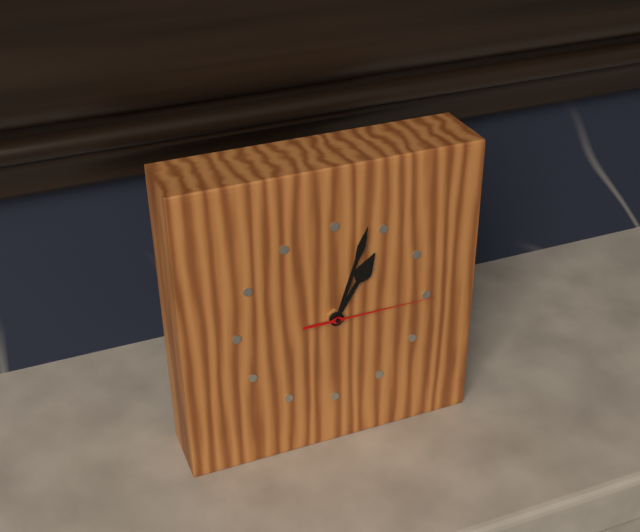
**1:03:15**
